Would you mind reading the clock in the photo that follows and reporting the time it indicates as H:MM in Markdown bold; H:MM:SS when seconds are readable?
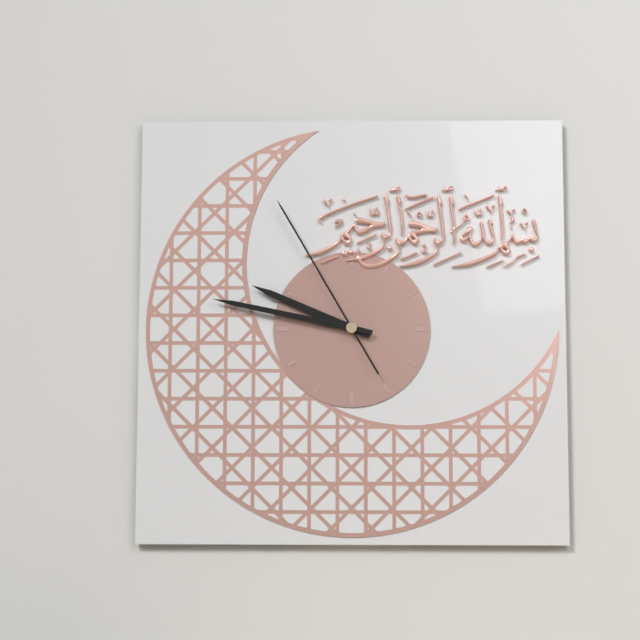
**9:47:55**
